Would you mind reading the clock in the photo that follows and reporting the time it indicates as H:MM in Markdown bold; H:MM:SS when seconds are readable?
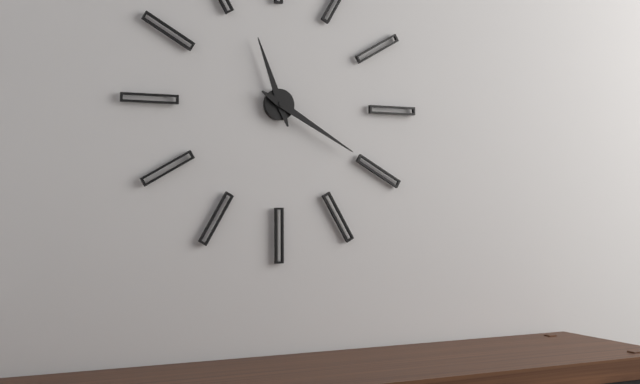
**11:20**
